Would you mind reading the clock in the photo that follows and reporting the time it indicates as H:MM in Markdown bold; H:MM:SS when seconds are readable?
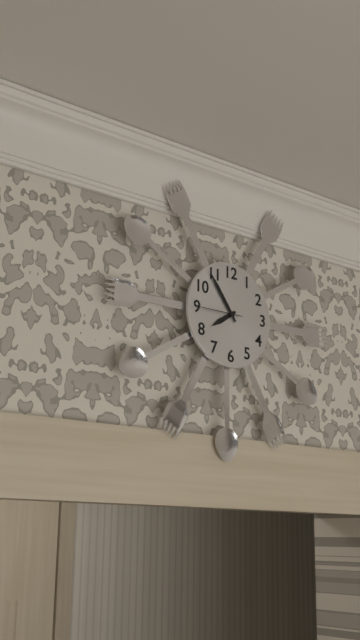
**7:54**
